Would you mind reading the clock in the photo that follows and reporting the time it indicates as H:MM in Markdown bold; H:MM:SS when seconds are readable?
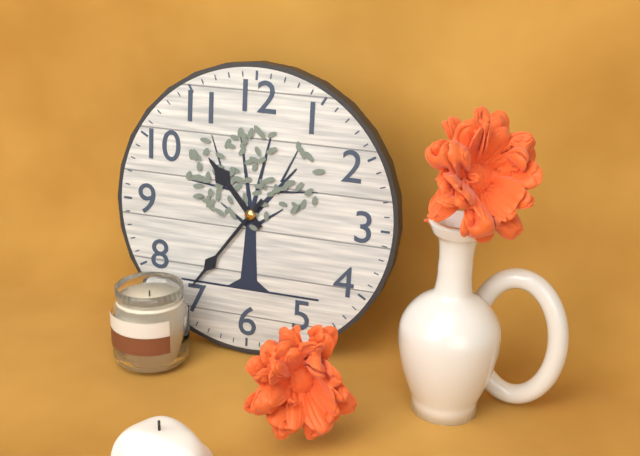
**10:36**
